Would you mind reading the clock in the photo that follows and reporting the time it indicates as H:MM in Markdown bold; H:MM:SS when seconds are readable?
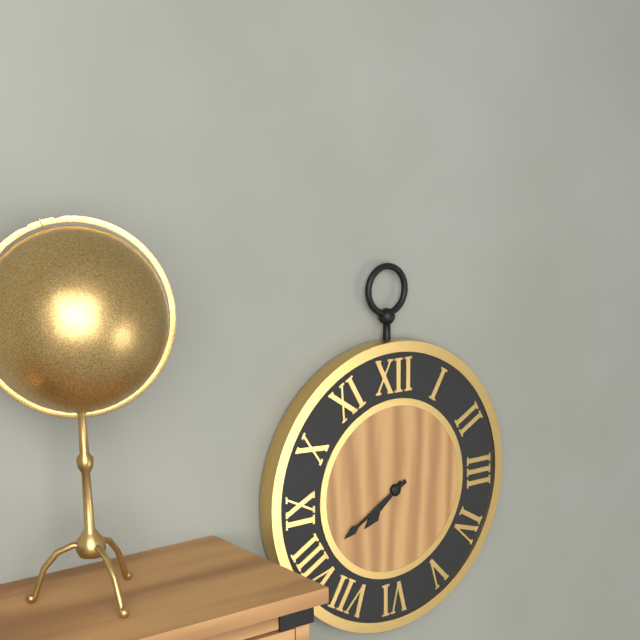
**7:40**
